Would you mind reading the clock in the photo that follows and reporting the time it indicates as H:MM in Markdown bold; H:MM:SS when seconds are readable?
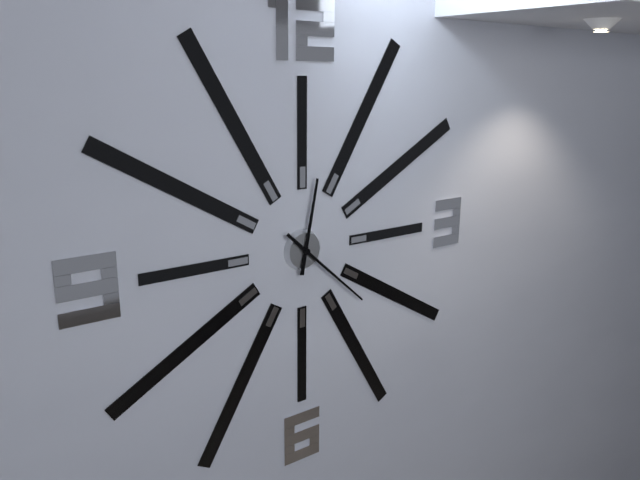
**12:22**
